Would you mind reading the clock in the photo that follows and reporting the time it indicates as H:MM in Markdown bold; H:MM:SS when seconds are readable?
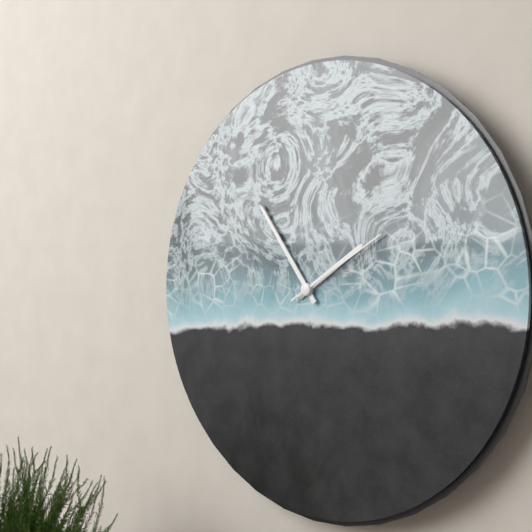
**1:54:10**
